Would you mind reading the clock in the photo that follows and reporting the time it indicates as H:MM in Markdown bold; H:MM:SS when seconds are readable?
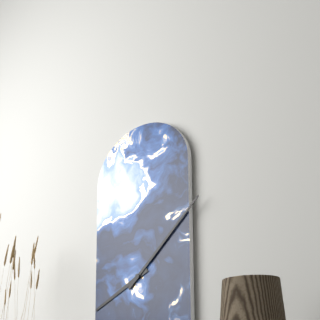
**8:08**
